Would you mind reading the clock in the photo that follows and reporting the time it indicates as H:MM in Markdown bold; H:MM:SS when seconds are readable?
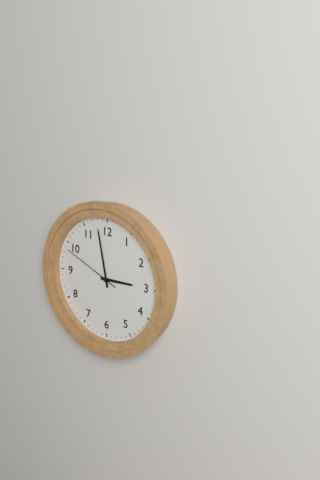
**2:58:49**
